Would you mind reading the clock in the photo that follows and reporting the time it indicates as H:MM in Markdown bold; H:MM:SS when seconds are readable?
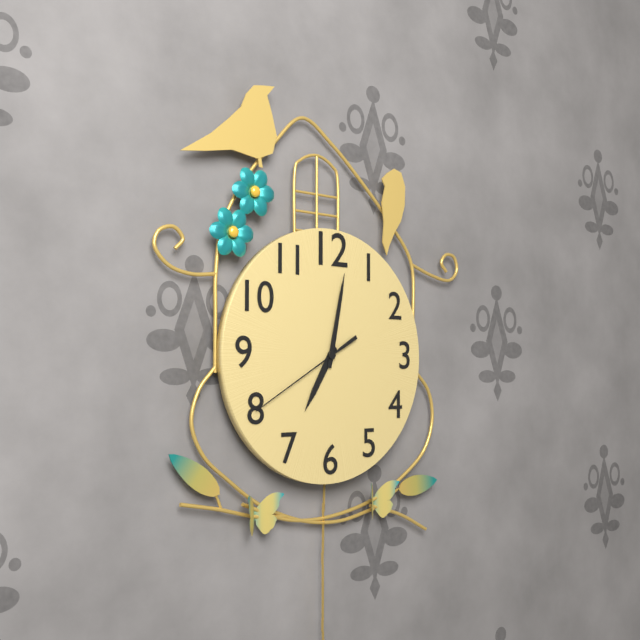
**7:02:40**
